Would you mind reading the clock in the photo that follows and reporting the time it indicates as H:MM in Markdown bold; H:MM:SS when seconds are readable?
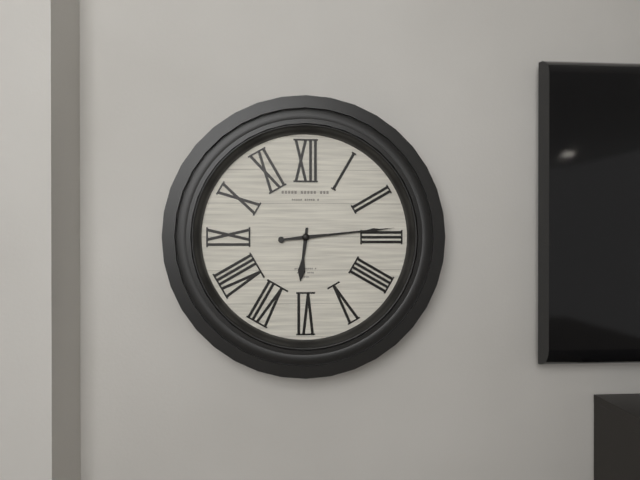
**6:14**
